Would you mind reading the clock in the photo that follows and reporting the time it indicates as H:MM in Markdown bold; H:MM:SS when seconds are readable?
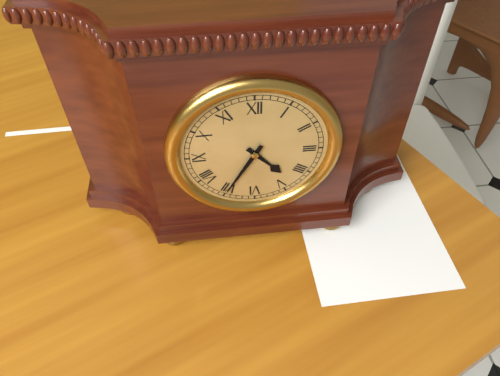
**4:35**
